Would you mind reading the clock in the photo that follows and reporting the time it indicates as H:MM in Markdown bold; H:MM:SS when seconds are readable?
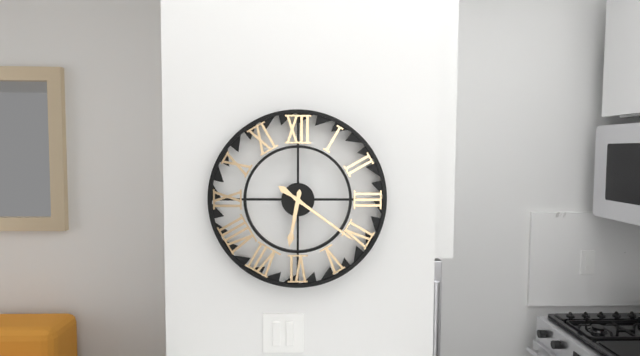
**6:21**
